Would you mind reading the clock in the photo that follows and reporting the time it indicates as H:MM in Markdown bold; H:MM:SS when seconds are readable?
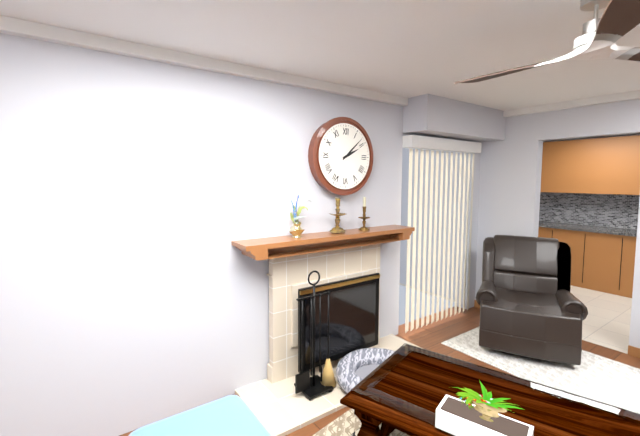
**2:08**
